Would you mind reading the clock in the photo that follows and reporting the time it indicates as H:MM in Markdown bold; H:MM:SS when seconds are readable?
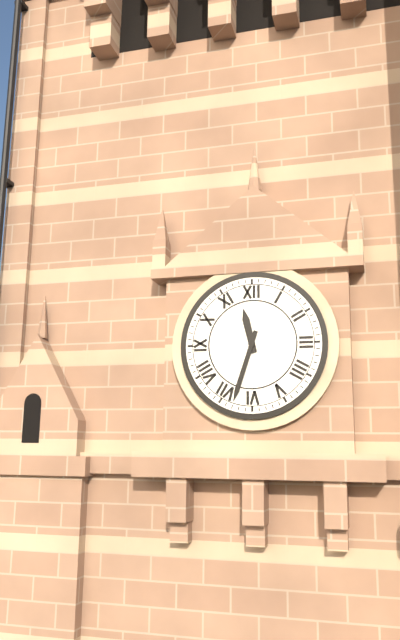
**11:33**
